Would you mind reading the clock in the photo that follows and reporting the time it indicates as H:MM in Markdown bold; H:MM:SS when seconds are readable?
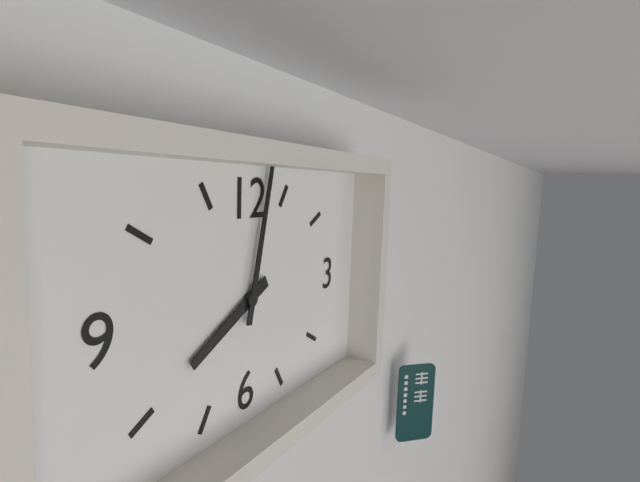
**8:02**
